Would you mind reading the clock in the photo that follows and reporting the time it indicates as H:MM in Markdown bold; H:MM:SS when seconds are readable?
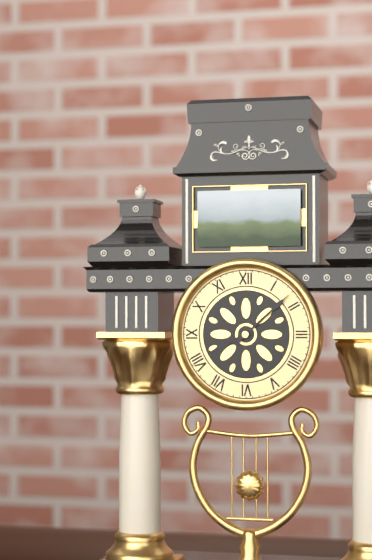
**8:08**
